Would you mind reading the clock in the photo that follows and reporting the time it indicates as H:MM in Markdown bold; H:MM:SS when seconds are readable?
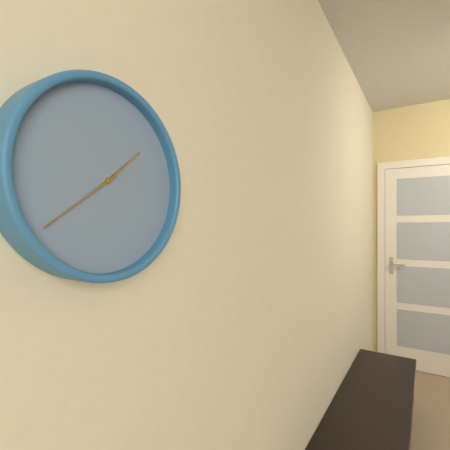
**1:39**
